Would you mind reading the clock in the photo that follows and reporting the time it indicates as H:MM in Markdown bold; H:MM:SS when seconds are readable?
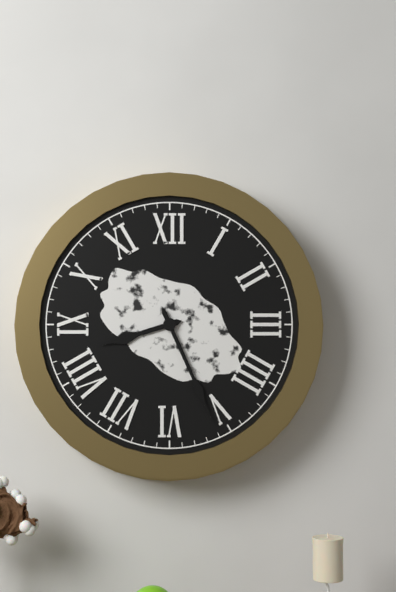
**8:26**
